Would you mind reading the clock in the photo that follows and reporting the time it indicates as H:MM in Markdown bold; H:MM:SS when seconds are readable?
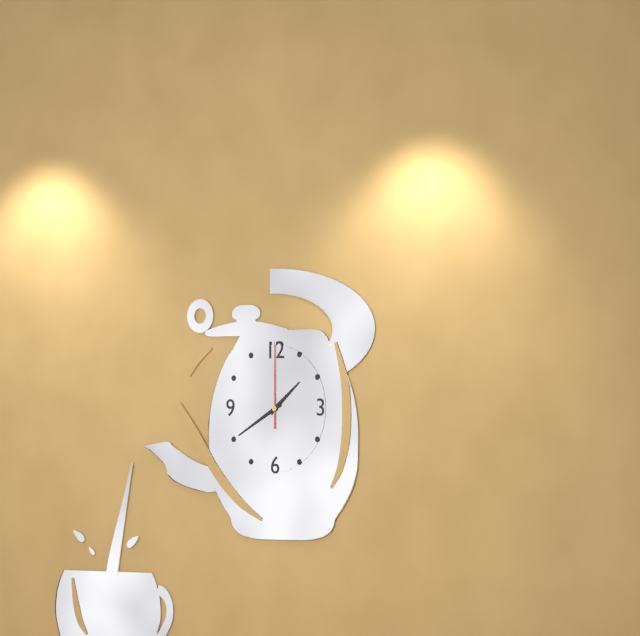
**1:40:00**
